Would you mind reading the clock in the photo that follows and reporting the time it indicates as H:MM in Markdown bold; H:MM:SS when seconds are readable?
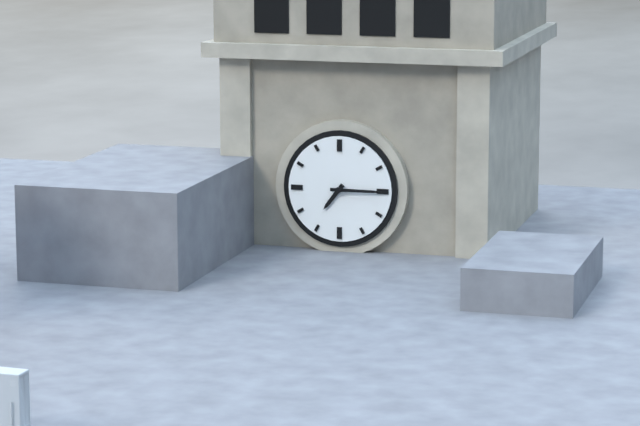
**7:15**
